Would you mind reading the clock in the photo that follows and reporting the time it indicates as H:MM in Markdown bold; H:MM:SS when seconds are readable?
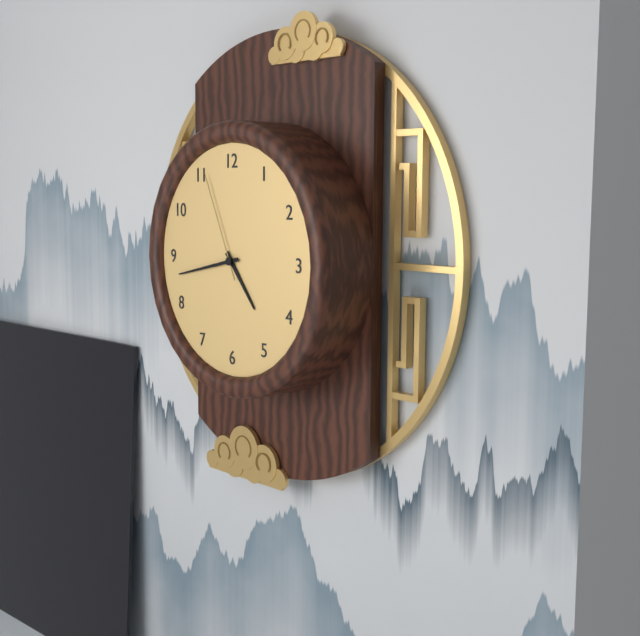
**4:43:56**
